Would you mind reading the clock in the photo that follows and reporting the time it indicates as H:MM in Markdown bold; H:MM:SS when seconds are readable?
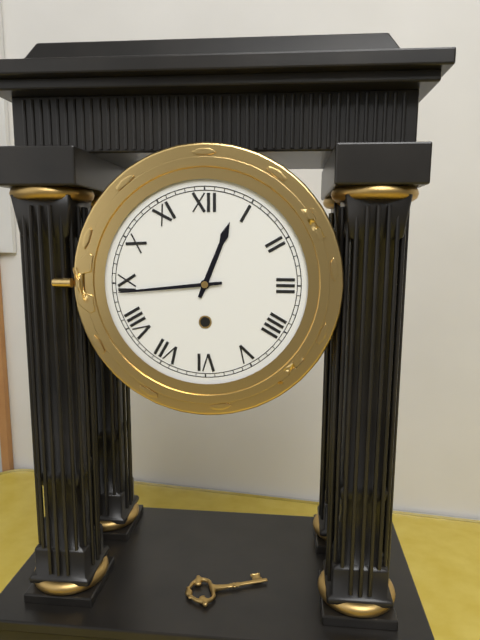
**12:44**
